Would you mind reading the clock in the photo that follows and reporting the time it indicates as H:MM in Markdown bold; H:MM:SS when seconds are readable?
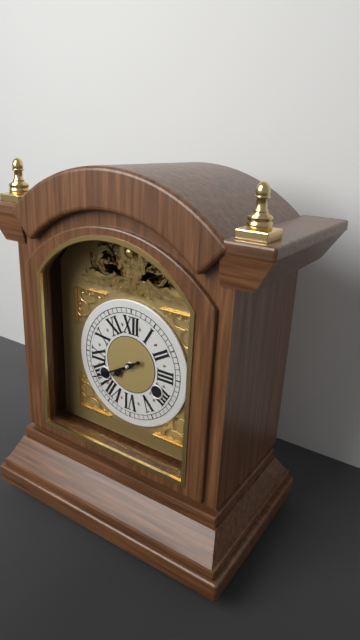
**7:40**
